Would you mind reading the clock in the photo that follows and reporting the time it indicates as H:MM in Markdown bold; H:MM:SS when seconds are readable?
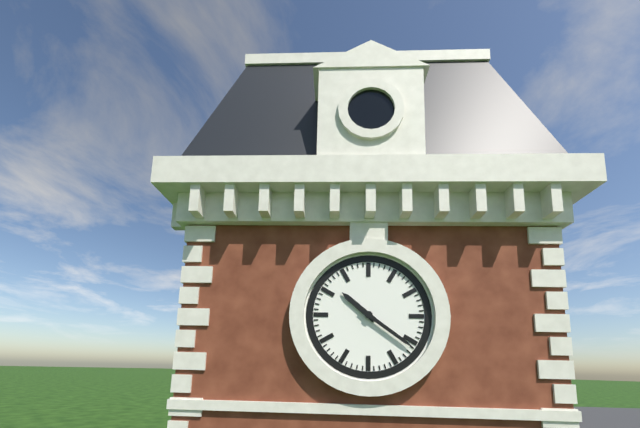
**10:21**
